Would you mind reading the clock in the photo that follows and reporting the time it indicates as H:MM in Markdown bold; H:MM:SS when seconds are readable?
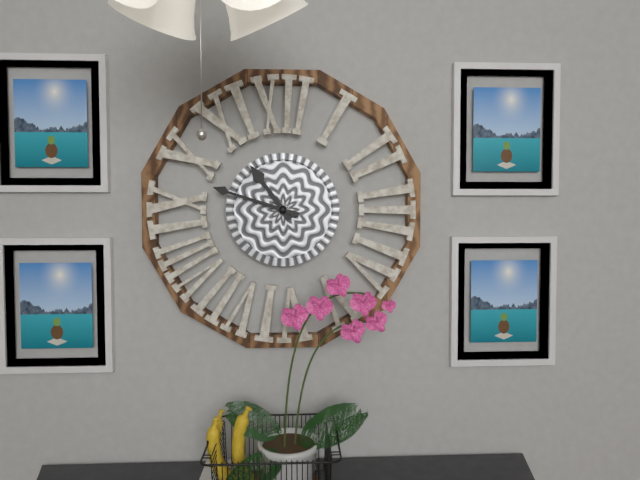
**10:48**
